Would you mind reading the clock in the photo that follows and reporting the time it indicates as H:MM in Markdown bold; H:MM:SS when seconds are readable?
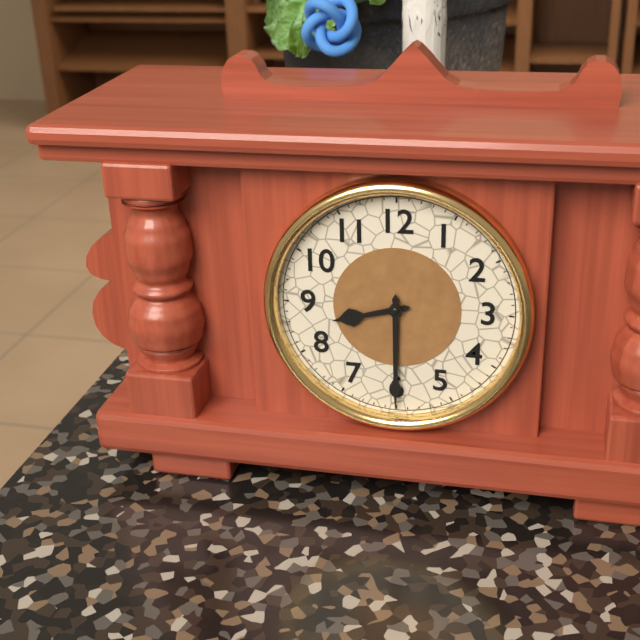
**8:30**
